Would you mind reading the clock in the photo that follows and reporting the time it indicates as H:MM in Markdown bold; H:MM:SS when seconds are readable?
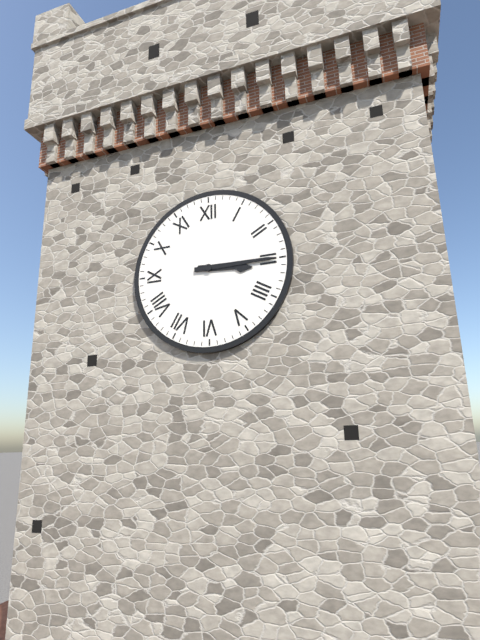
**3:15**
